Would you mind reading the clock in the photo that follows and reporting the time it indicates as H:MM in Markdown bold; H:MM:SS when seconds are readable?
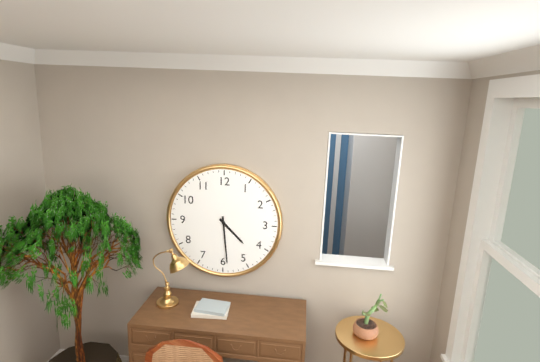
**4:29**
